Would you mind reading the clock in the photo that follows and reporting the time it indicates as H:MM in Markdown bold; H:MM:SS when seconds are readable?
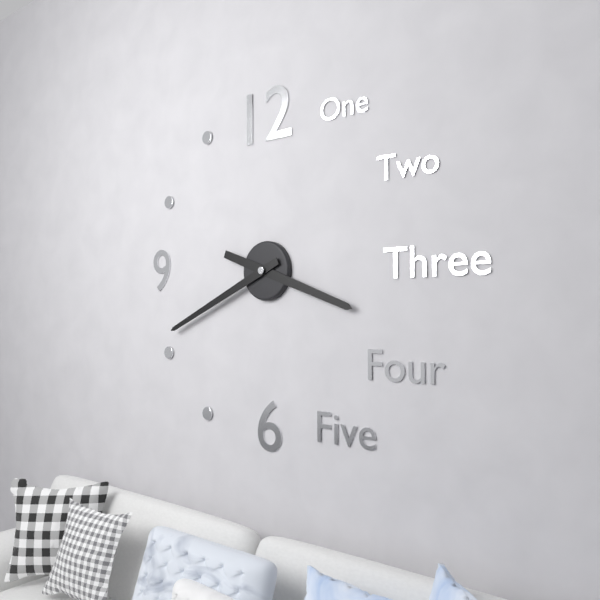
**3:41**
